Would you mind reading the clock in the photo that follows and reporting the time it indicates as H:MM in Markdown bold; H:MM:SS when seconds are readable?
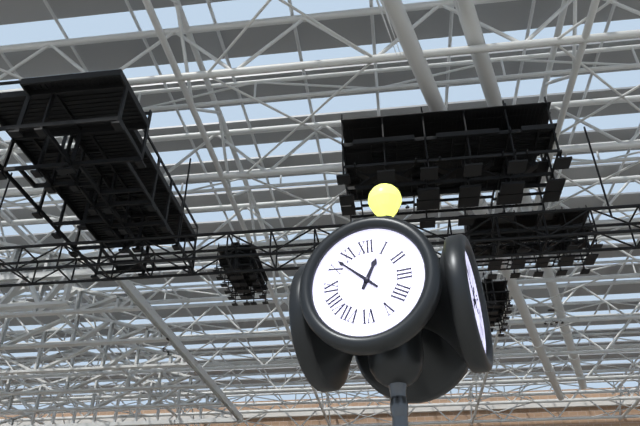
**12:52**
